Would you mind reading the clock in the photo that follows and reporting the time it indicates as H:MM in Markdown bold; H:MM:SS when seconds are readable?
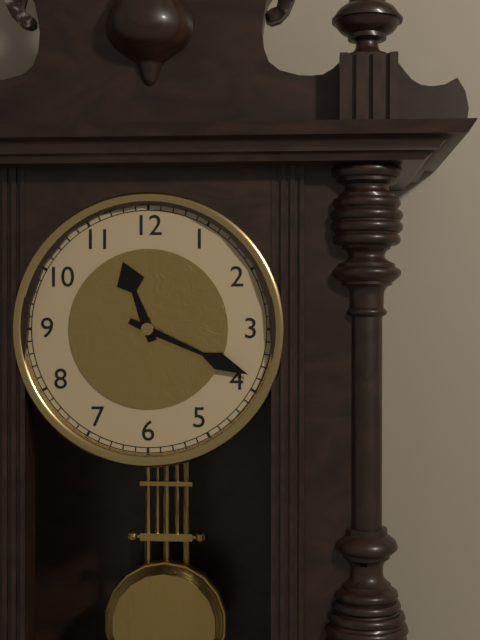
**11:19**
